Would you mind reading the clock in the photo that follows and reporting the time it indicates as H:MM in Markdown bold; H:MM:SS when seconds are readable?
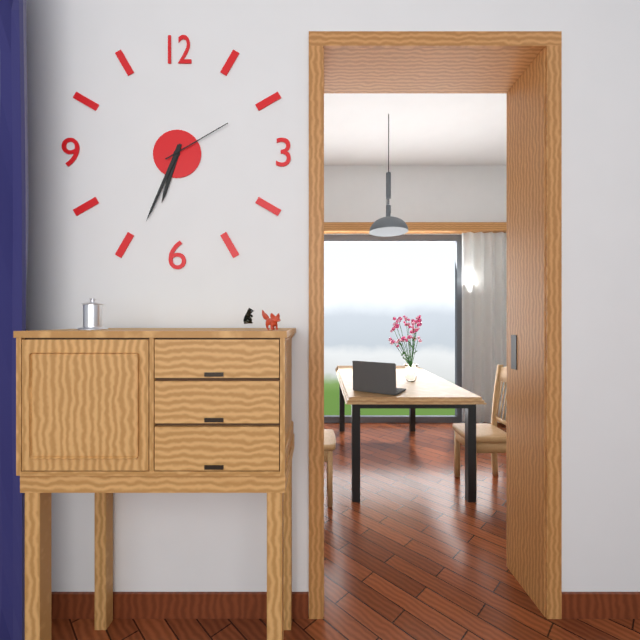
**6:34:10**
